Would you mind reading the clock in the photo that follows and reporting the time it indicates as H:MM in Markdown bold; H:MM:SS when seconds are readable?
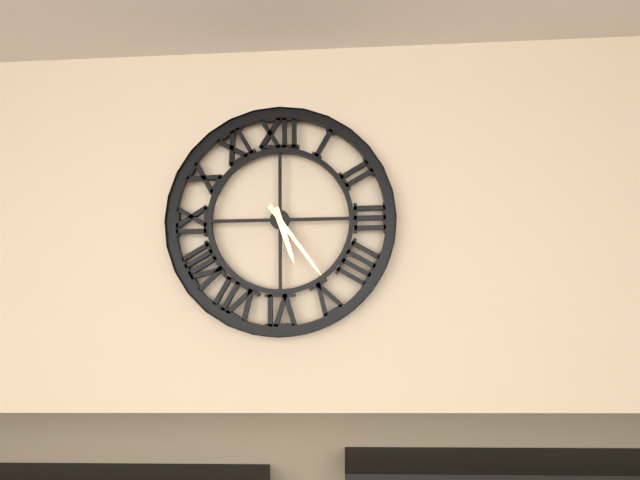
**5:24**
